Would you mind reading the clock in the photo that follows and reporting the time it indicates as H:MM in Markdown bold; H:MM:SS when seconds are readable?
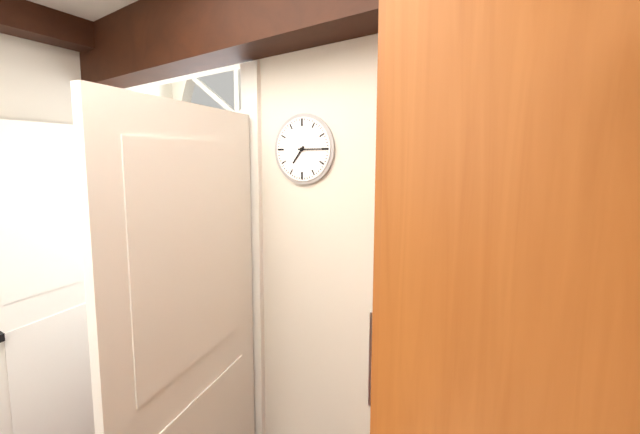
**7:15**
